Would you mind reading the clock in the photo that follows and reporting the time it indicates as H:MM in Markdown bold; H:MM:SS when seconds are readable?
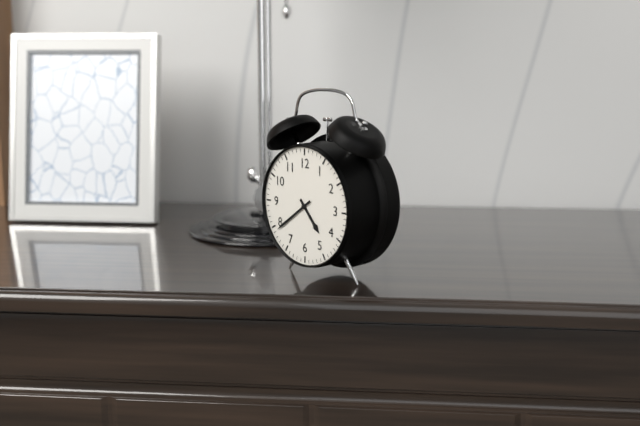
**4:39**
